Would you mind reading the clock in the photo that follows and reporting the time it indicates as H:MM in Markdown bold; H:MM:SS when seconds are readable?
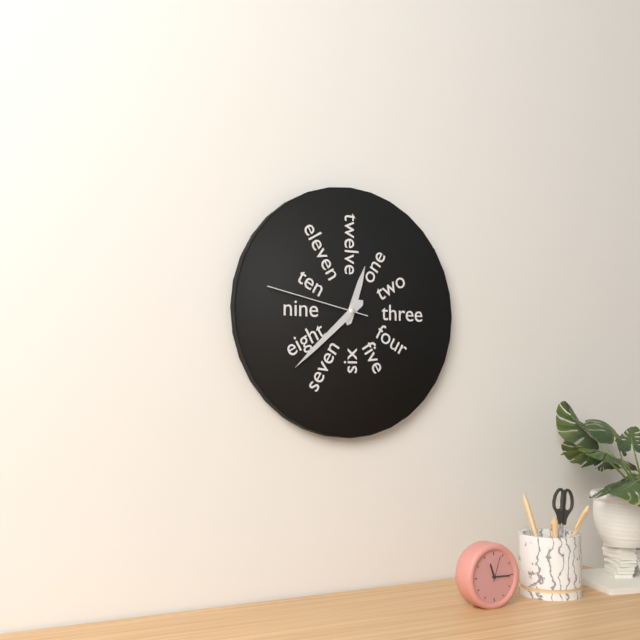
**12:38:47**
